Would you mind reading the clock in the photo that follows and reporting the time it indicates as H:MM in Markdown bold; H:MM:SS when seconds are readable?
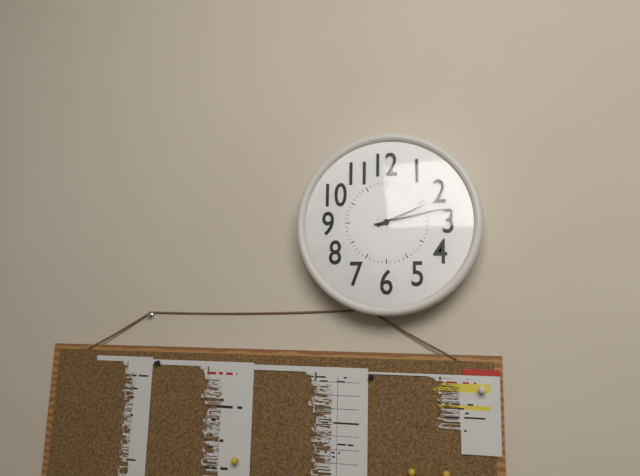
**2:13**
